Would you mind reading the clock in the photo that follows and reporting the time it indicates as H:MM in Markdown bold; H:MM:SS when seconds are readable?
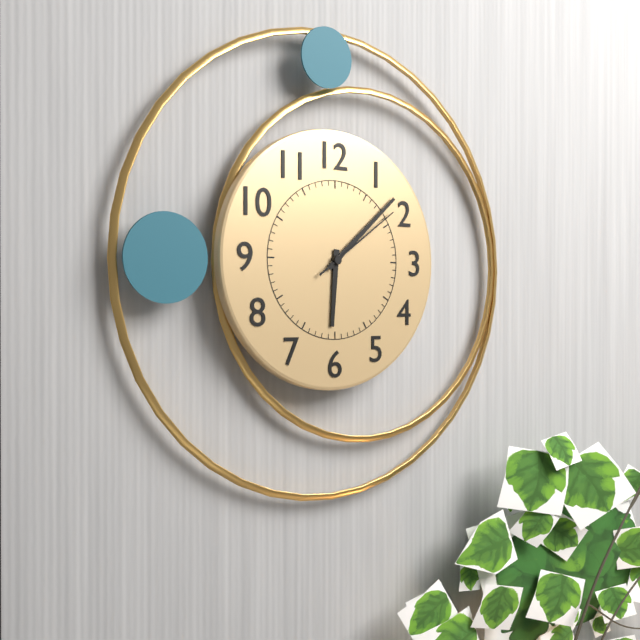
**6:08:09**
